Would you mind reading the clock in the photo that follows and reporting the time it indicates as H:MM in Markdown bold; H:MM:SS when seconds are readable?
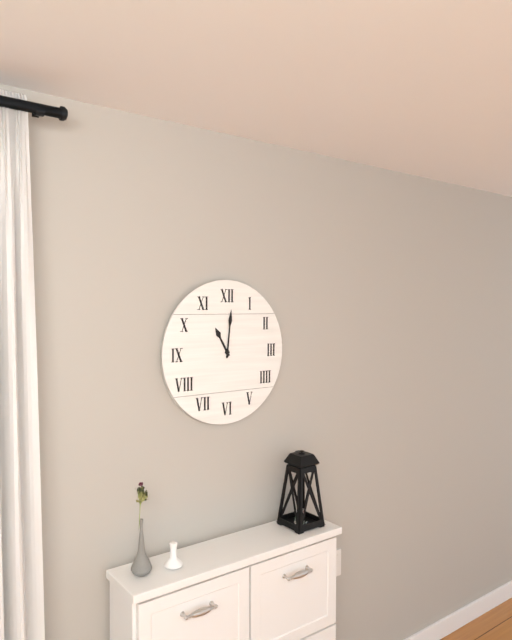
**11:01**
